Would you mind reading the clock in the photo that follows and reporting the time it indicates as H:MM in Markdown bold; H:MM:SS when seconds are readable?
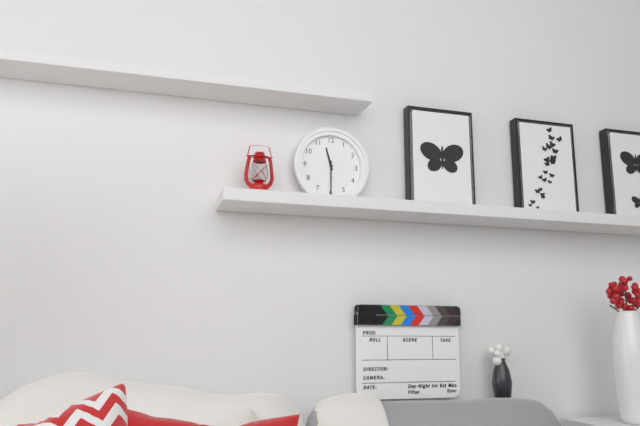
**11:30**
